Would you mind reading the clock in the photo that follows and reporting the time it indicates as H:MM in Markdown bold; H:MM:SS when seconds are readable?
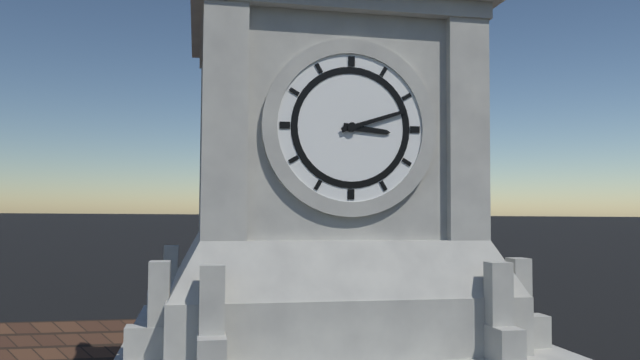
**3:12**
